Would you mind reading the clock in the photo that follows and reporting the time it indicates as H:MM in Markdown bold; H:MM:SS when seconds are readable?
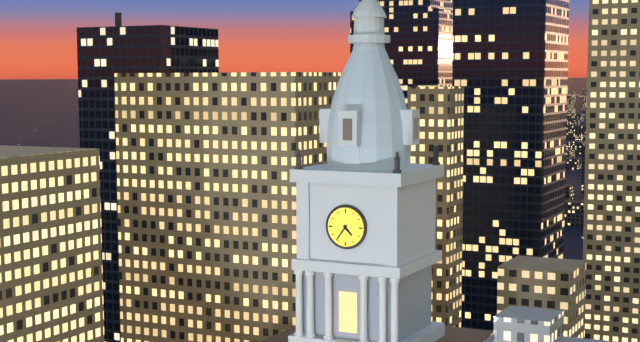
**4:36**
